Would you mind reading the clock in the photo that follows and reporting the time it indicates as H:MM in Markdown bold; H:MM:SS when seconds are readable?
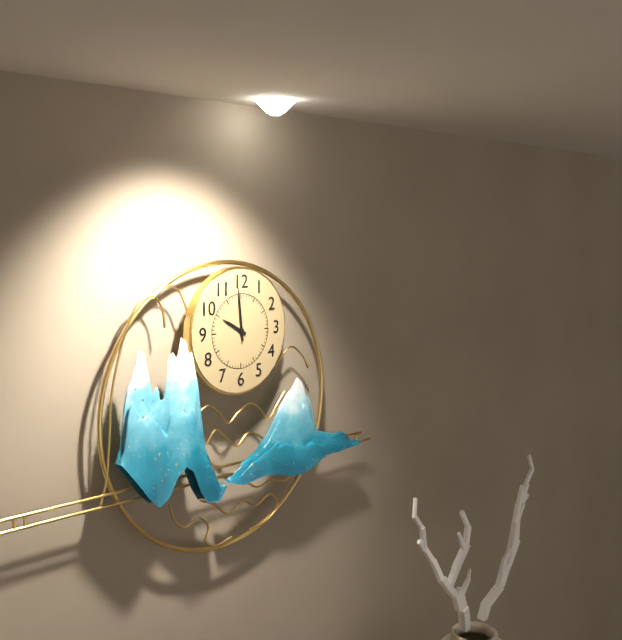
**9:59**
